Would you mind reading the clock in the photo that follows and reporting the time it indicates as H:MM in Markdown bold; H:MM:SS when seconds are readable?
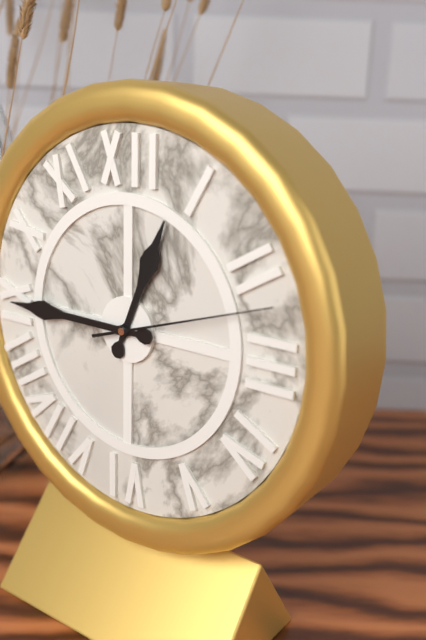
**12:45:12**
